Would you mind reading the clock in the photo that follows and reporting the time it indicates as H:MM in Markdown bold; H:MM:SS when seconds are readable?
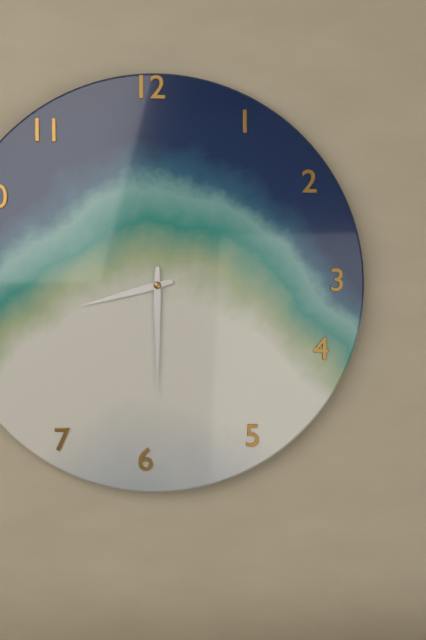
**8:30**
